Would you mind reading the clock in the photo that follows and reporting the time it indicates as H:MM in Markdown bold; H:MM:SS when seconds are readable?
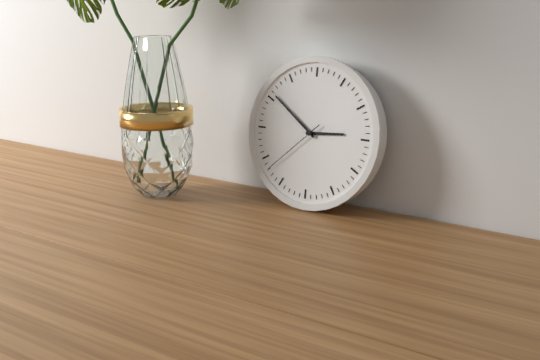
**2:51:38**
